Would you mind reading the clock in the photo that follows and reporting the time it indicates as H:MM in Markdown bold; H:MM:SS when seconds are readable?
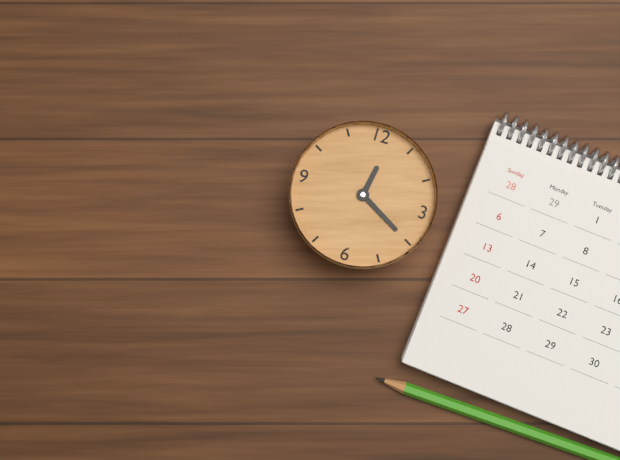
**12:20**
